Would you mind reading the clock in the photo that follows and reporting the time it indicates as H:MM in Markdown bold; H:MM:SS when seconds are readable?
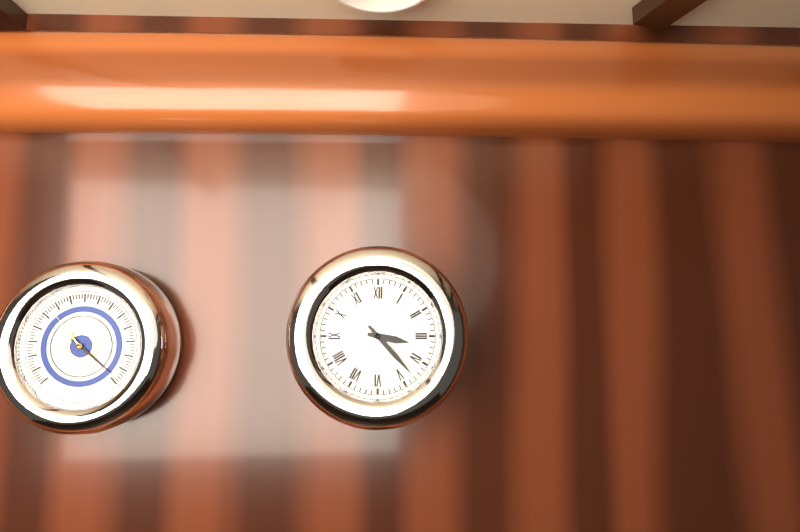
**3:23**
